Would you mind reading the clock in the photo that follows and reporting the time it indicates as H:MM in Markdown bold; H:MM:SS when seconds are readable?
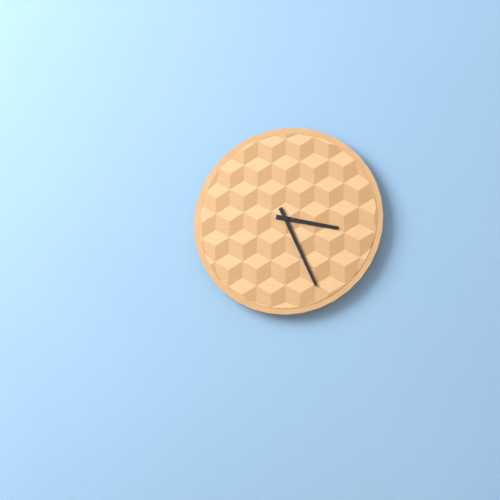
**3:26**
